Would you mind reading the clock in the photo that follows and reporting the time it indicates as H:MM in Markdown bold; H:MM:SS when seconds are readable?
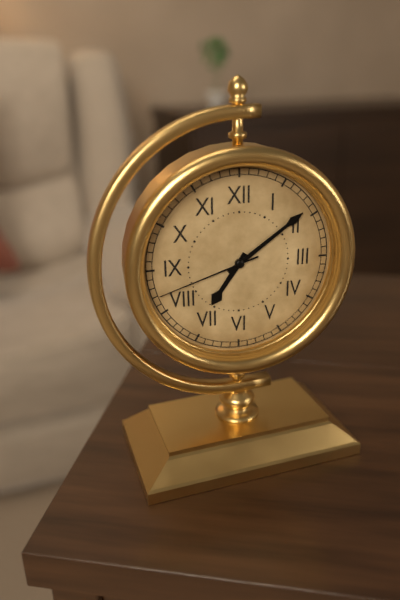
**7:09:42**
